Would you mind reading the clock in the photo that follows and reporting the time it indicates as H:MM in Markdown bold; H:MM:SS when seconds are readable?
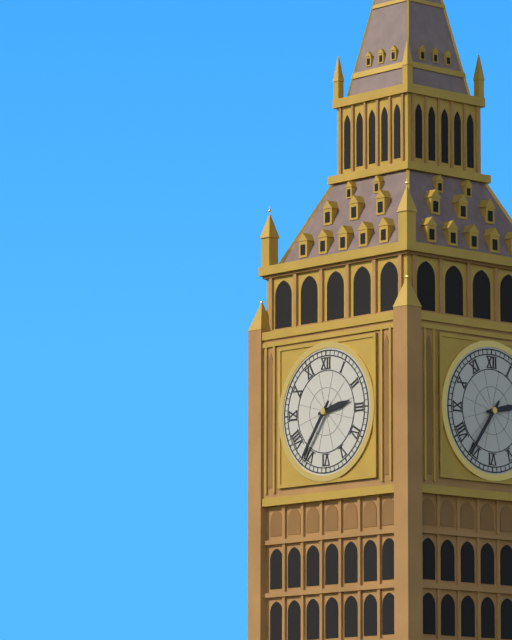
**2:36**
